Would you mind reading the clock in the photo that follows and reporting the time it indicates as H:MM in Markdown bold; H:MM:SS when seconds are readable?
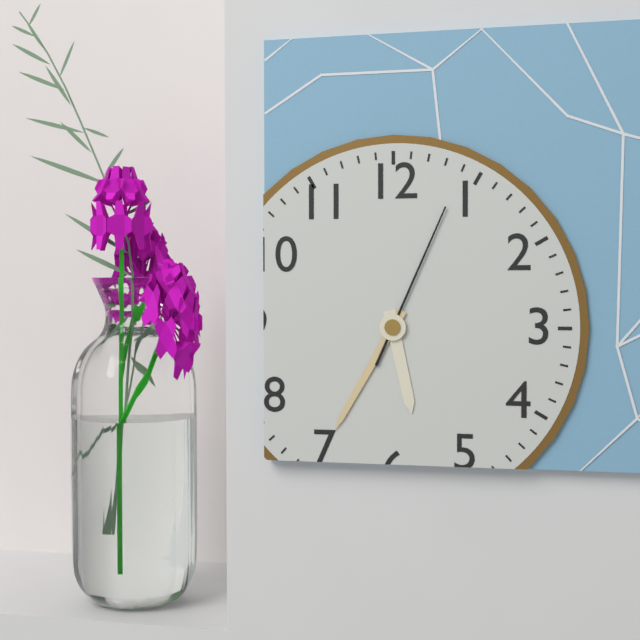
**5:35:04**
